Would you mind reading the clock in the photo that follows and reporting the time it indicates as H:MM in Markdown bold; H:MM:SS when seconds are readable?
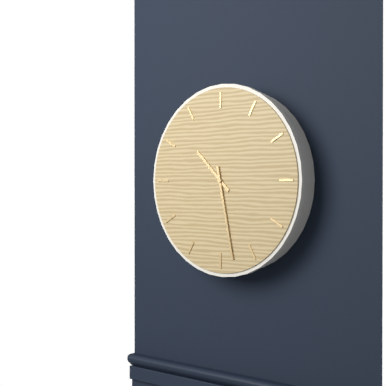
**10:28**
